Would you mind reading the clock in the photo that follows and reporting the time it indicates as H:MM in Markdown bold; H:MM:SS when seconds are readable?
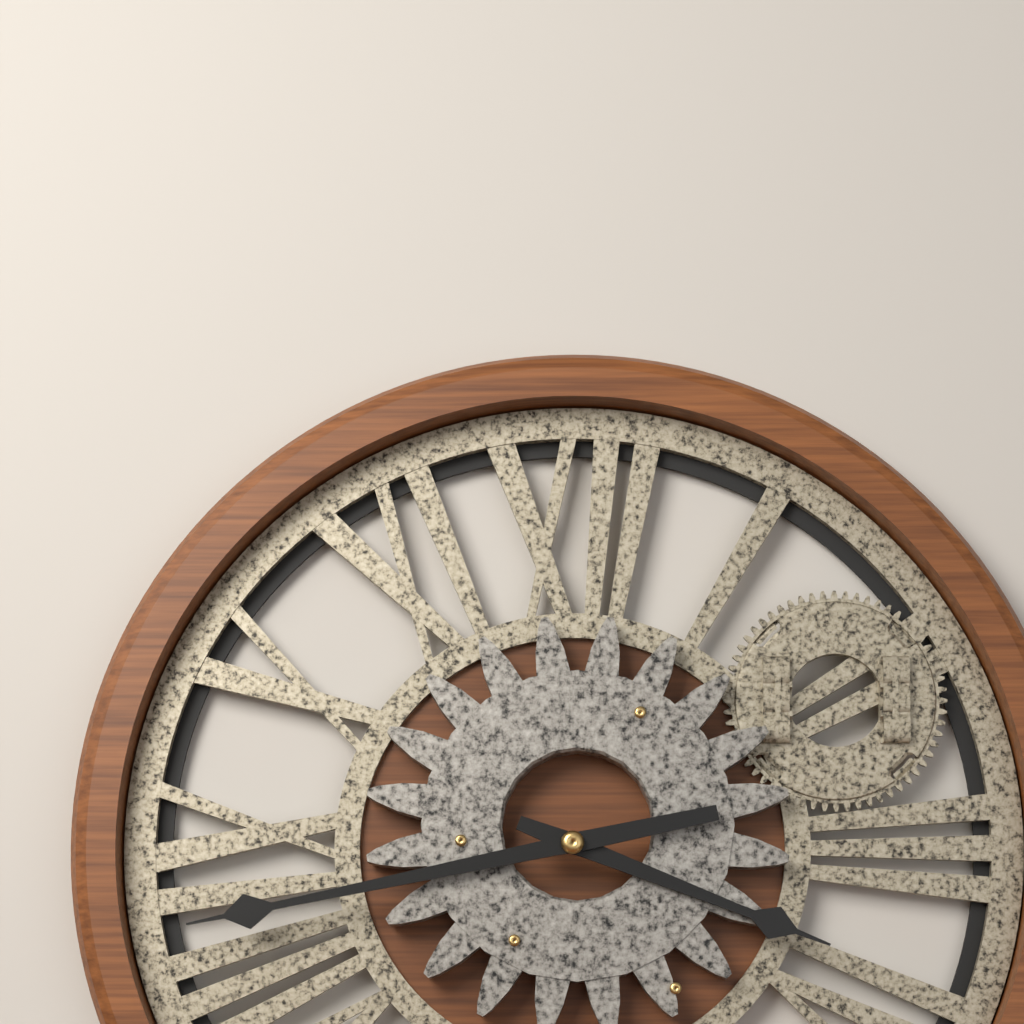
**3:43**
